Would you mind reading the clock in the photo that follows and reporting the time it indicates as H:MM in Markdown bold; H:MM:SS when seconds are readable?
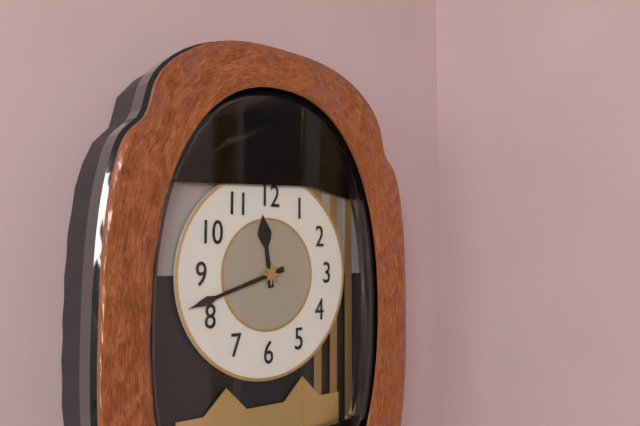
**11:42**
